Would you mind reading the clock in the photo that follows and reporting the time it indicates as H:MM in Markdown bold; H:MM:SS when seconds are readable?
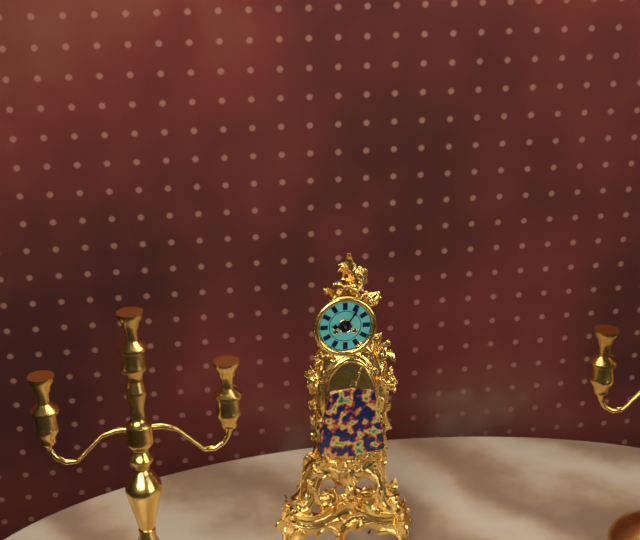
**9:06**
